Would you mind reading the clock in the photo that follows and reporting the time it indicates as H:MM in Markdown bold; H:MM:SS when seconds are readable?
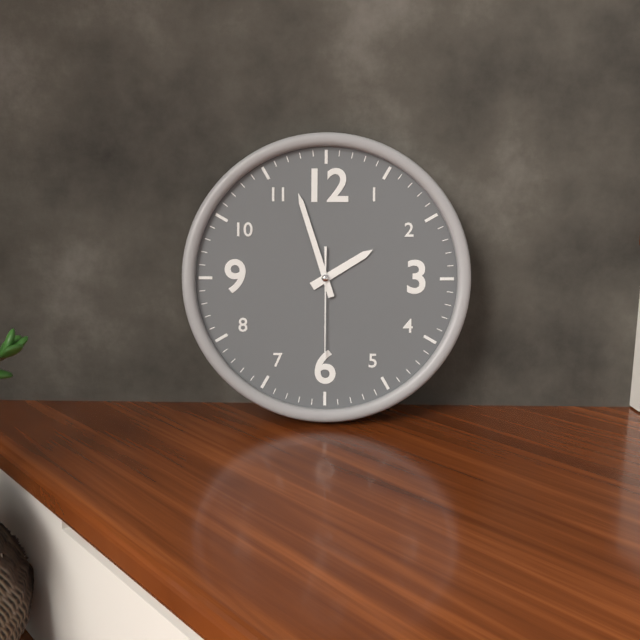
**1:57:30**
